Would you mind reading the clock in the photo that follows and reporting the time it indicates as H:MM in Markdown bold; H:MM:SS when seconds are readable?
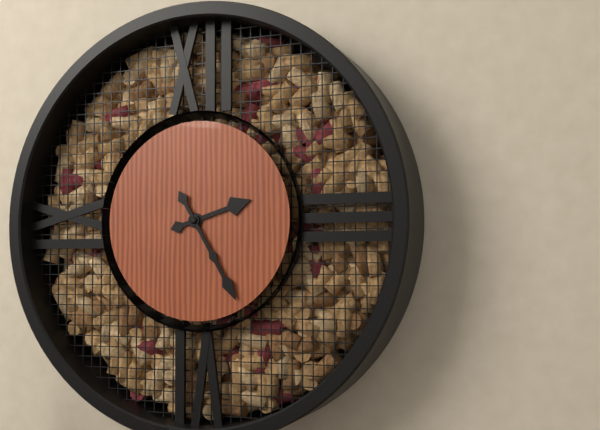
**2:25**
